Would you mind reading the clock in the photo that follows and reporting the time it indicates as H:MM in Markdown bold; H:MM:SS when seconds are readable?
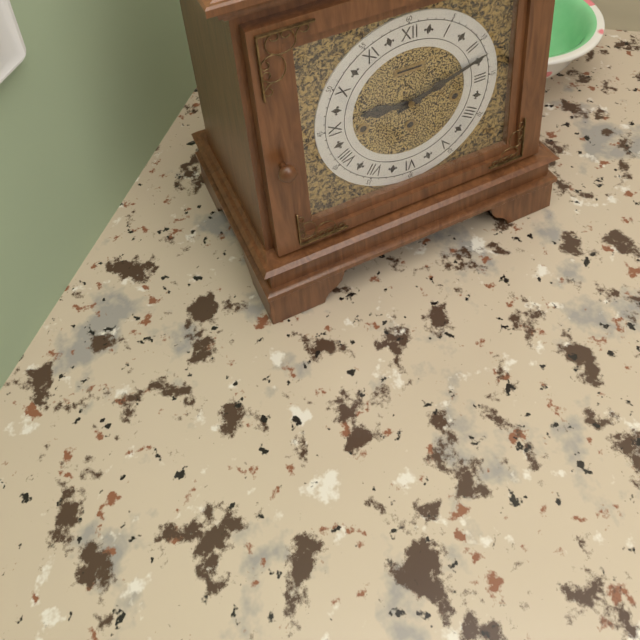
**9:12**
